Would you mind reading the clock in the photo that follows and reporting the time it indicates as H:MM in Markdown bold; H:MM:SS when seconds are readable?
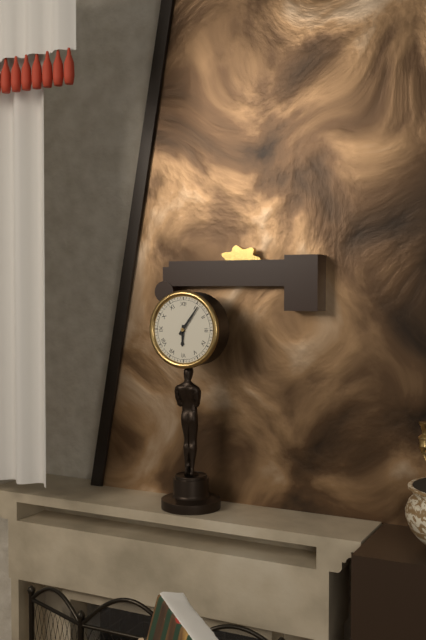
**6:06**
